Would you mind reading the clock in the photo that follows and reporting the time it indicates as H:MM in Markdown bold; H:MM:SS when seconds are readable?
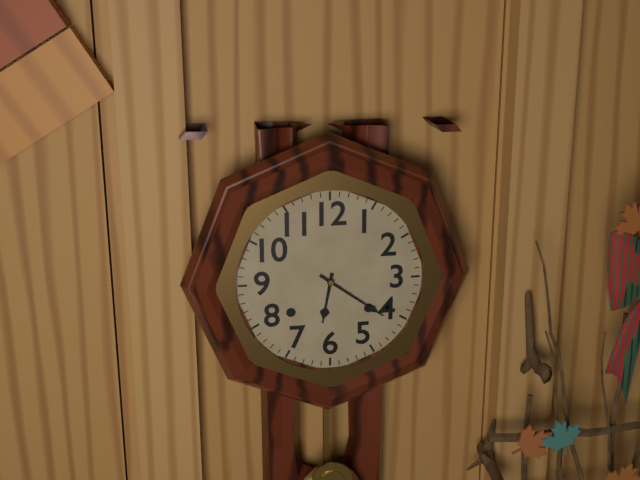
**6:21**
